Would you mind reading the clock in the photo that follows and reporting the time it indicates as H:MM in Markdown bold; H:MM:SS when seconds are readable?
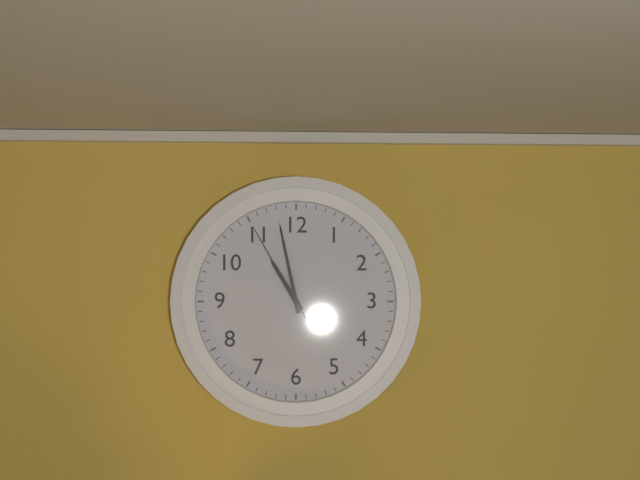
**10:58:55**
